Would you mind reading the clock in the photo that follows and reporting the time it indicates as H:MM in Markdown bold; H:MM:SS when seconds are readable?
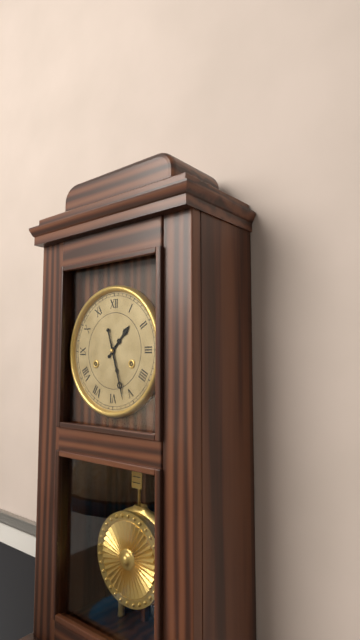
**1:27**
